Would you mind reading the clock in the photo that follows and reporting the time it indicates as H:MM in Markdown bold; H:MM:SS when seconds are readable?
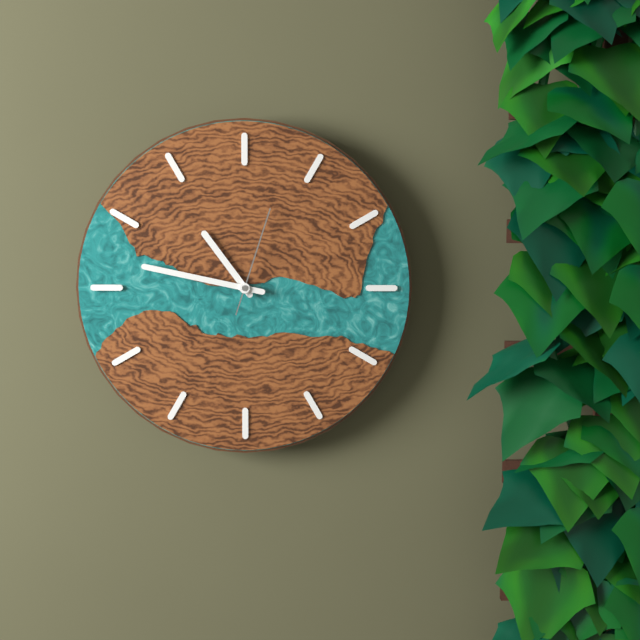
**10:47:03**
